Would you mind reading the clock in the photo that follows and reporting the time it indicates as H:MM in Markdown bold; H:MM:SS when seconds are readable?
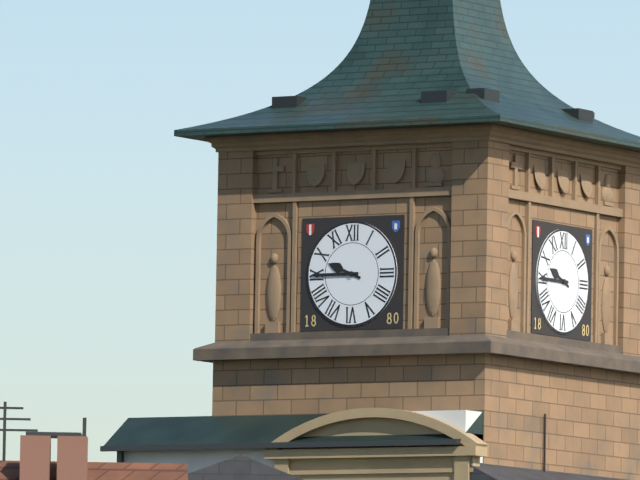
**9:45**
